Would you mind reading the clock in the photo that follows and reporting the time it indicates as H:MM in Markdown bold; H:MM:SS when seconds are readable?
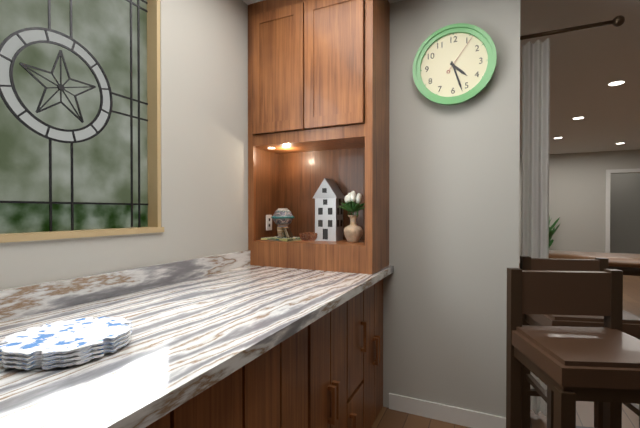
**4:27**
